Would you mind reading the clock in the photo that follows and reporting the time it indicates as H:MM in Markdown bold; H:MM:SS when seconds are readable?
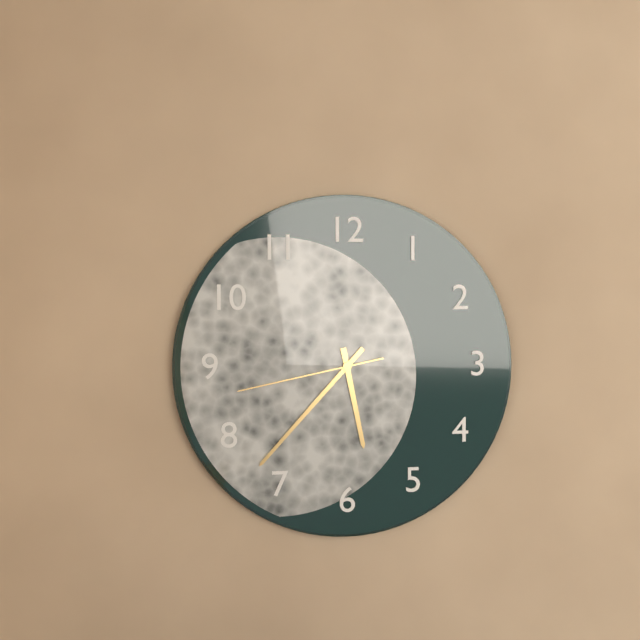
**5:37:43**
